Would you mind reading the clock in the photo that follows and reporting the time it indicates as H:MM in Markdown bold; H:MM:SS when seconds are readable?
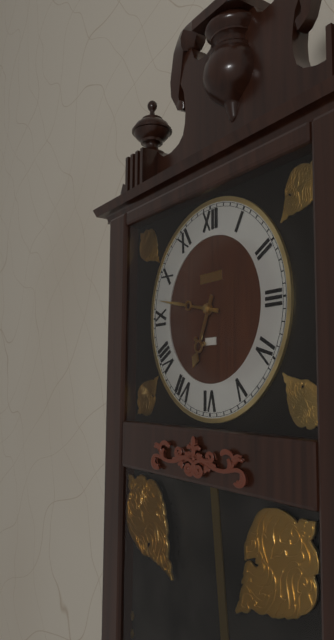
**6:47**
